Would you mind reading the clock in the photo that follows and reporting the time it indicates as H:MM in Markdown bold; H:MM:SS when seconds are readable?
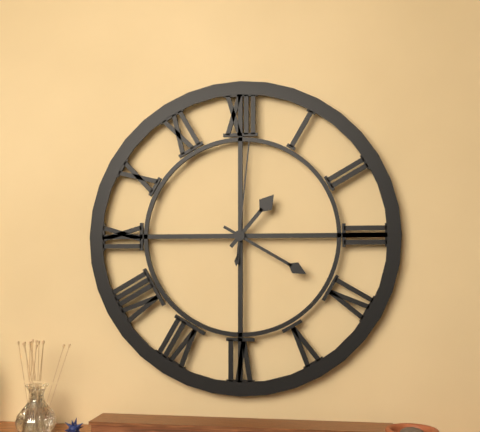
**1:20:01**
